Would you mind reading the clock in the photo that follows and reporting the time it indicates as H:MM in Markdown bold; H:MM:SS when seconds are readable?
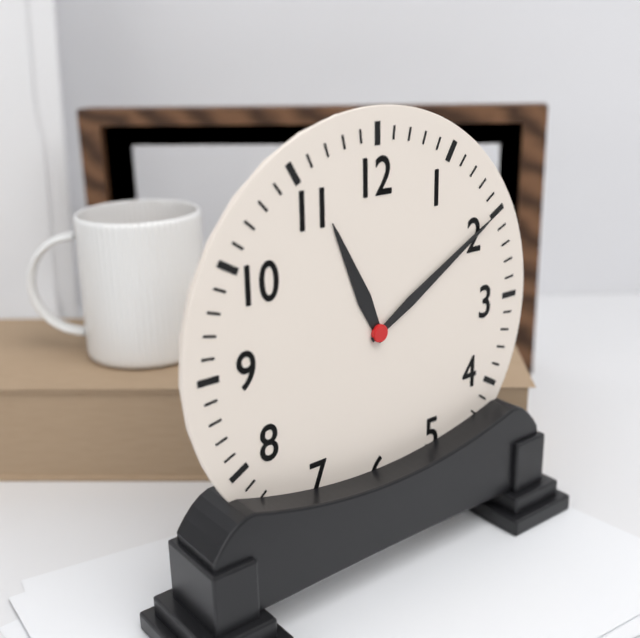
**11:10**
